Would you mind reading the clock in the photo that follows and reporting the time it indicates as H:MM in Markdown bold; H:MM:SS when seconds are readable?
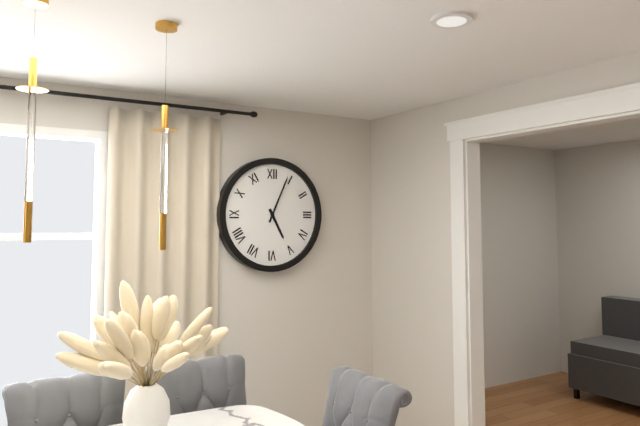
**5:04**
